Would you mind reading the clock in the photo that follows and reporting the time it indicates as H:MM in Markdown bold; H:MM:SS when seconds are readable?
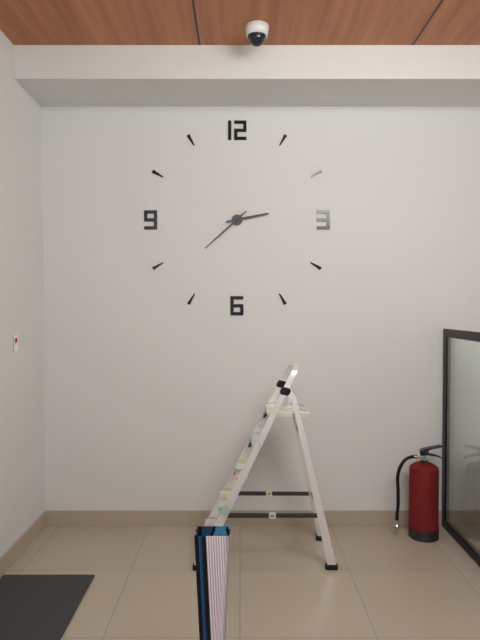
**2:38**
